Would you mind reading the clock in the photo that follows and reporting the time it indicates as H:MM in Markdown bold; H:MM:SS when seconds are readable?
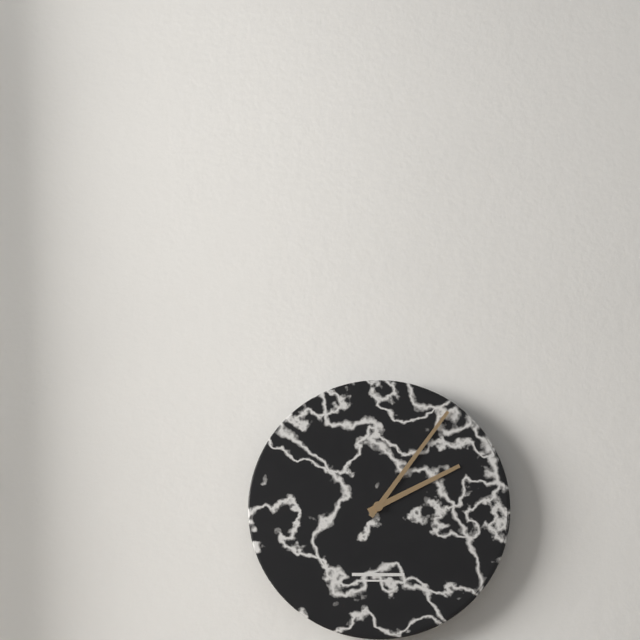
**2:06**
